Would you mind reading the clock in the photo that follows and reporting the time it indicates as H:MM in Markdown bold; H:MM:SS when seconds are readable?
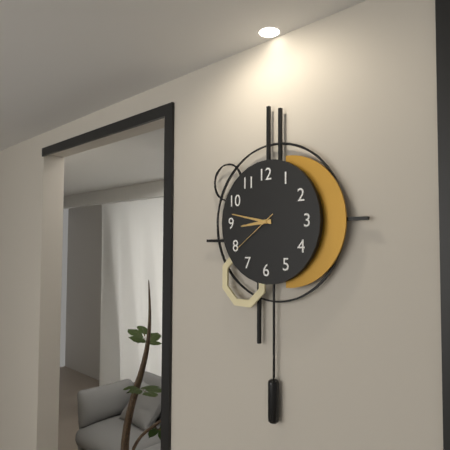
**8:47:39**
